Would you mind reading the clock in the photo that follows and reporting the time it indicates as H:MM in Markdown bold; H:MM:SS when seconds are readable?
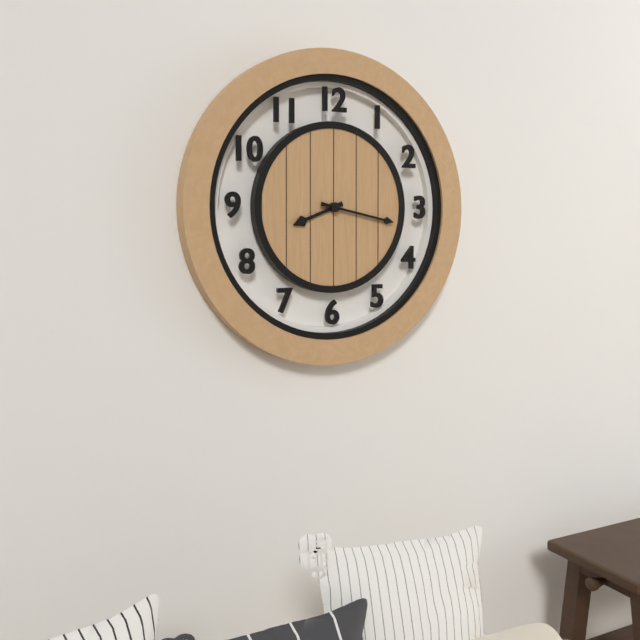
**8:17**
